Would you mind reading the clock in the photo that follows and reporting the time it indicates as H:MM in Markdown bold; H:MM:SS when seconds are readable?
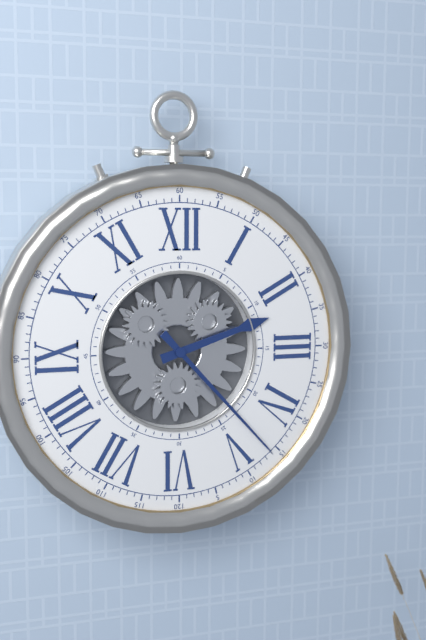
**2:23**
